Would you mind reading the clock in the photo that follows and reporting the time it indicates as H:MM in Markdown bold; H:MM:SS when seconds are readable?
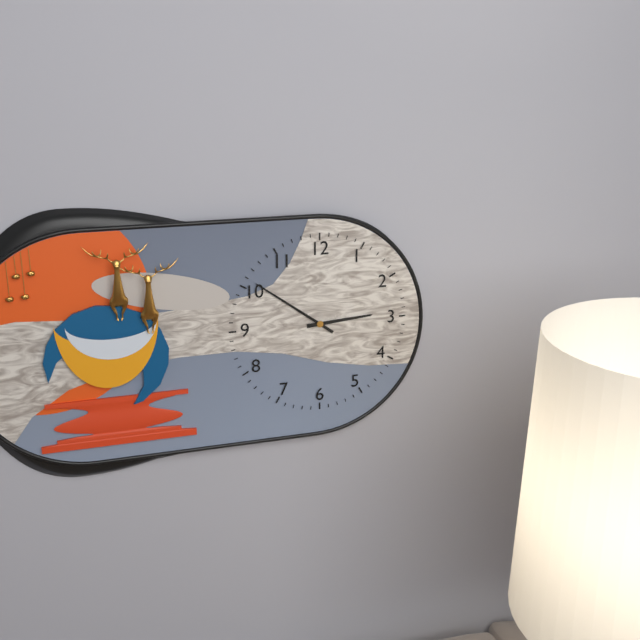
**2:51**
